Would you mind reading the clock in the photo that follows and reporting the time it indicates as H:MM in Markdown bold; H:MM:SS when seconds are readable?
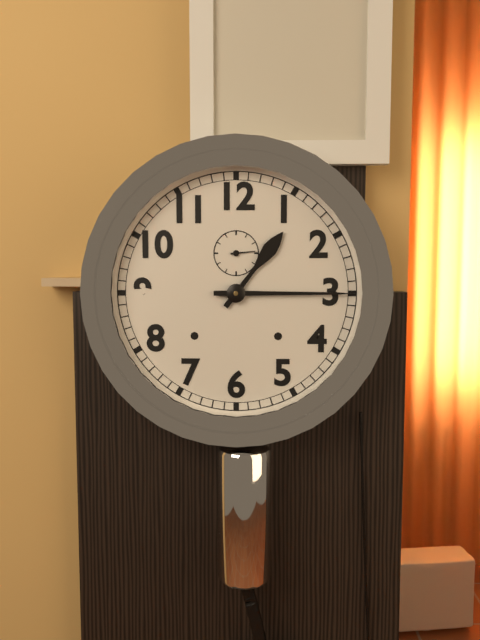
**1:15**
